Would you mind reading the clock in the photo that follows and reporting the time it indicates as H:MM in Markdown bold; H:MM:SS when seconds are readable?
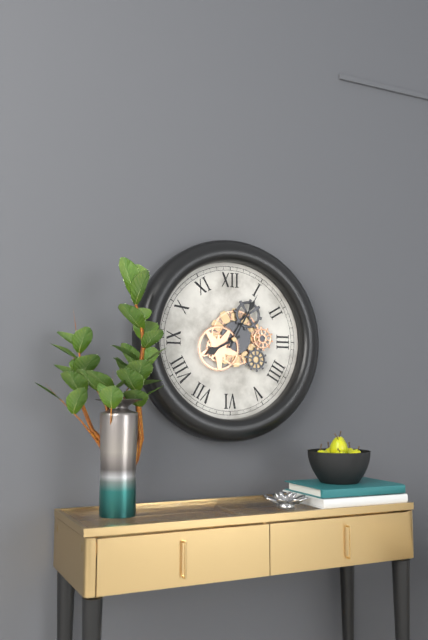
**8:05**
